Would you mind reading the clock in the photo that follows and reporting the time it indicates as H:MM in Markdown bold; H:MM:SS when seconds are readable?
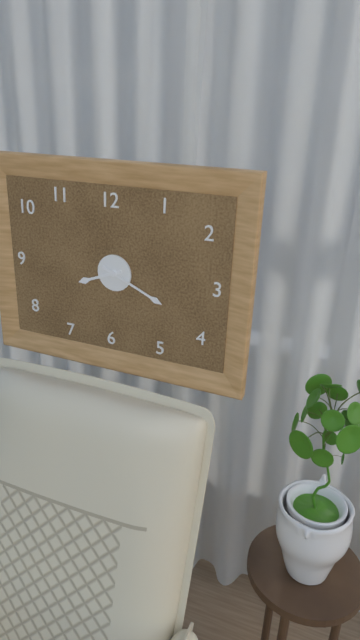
**8:19**
